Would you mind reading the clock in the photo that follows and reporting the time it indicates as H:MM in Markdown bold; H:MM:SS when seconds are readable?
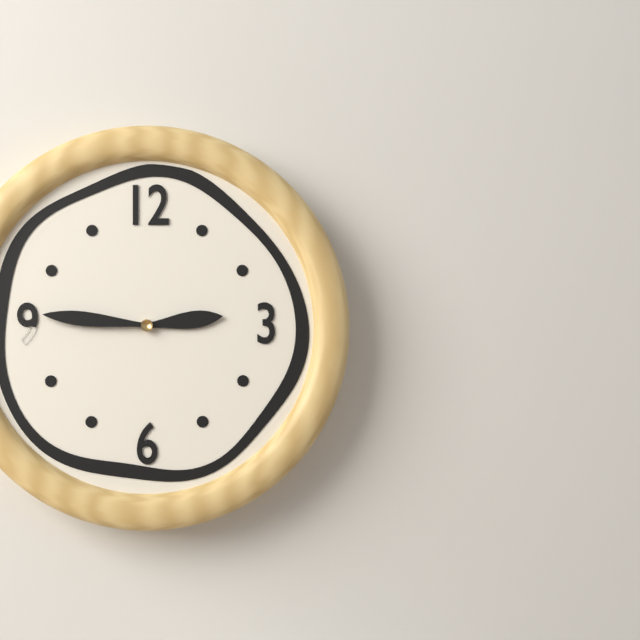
**2:46**
